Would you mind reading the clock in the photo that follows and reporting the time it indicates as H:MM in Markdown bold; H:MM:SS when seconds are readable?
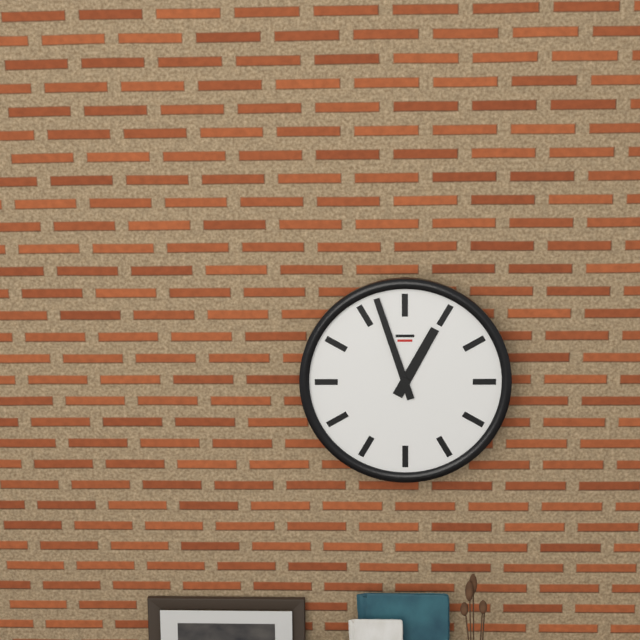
**12:57**
